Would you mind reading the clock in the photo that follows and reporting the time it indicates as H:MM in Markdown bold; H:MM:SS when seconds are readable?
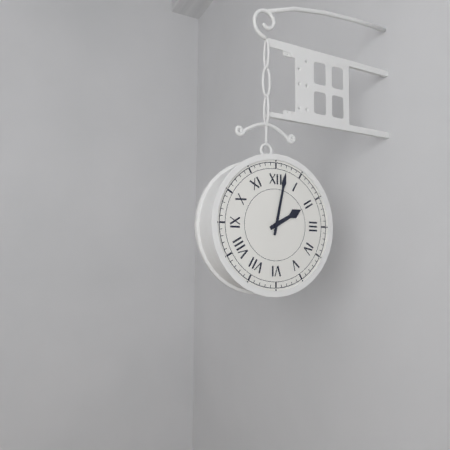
**2:02**
